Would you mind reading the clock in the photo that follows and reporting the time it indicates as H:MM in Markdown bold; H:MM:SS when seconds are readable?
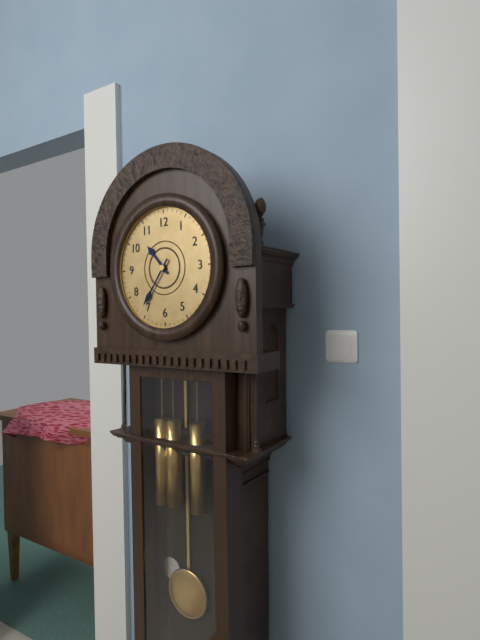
**10:36**
